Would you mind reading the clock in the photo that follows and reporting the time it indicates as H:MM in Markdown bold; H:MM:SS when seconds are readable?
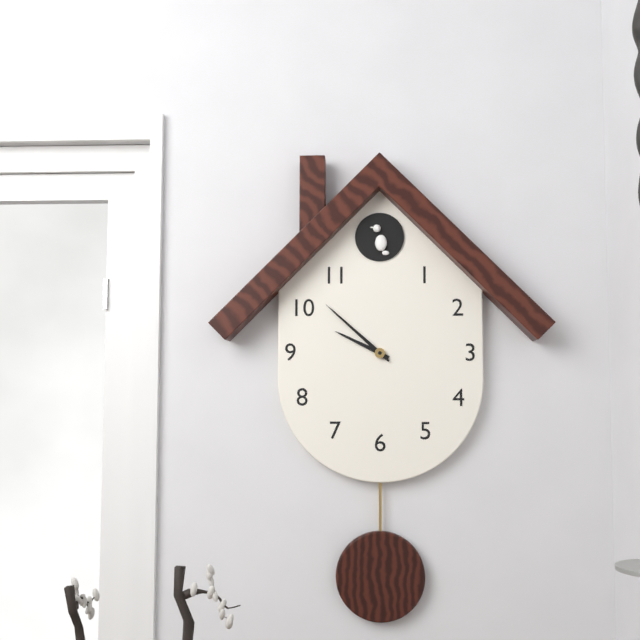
**9:52**
